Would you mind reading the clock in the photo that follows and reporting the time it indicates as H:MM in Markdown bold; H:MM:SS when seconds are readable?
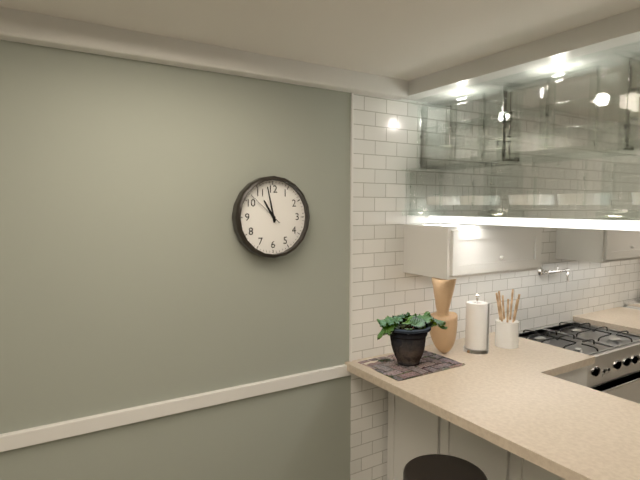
**10:58**
